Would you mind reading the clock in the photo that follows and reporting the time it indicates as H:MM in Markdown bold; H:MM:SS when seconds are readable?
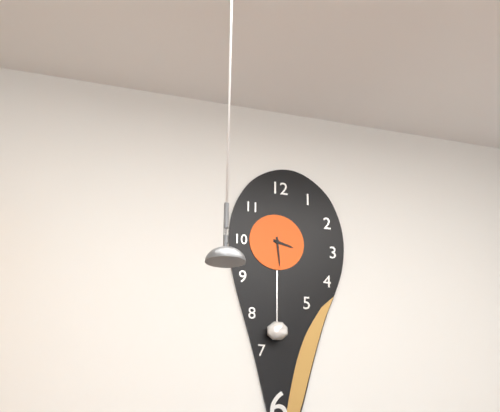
**3:29**
